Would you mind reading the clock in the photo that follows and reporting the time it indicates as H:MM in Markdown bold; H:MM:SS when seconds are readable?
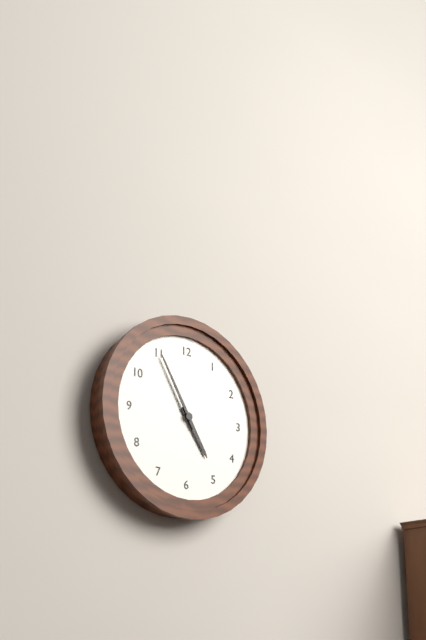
**4:55**
